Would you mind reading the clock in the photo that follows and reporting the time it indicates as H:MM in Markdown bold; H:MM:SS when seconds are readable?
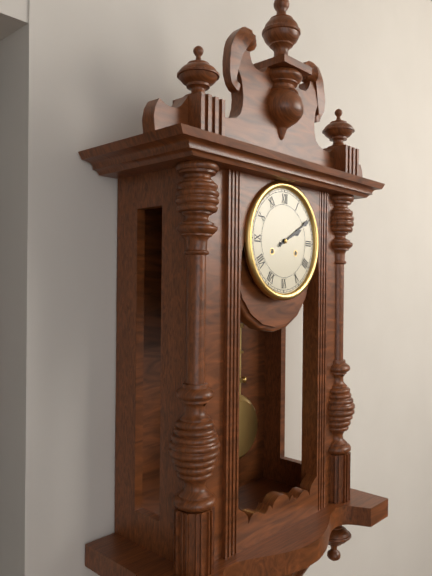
**2:10**
